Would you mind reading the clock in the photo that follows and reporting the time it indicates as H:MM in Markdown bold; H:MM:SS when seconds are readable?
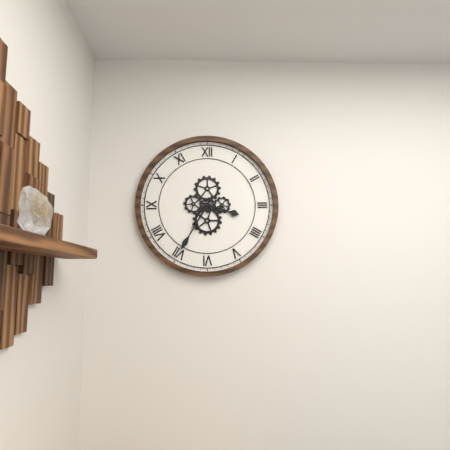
**3:35**
